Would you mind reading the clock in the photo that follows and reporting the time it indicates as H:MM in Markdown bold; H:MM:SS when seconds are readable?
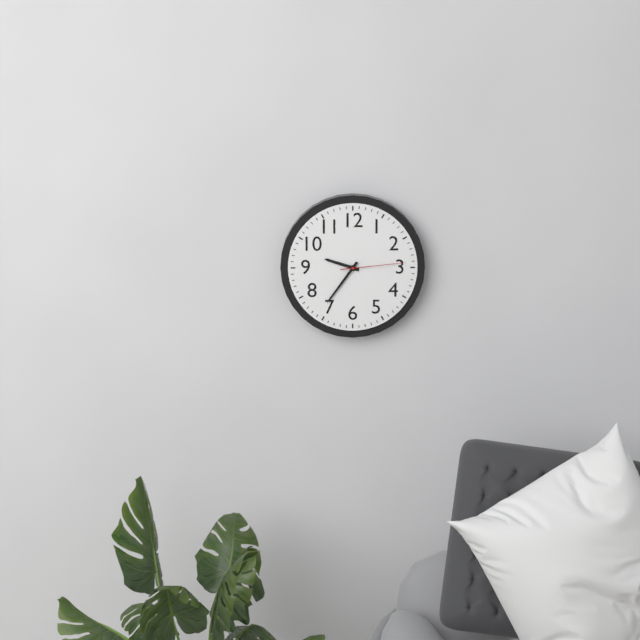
**9:36:14**
